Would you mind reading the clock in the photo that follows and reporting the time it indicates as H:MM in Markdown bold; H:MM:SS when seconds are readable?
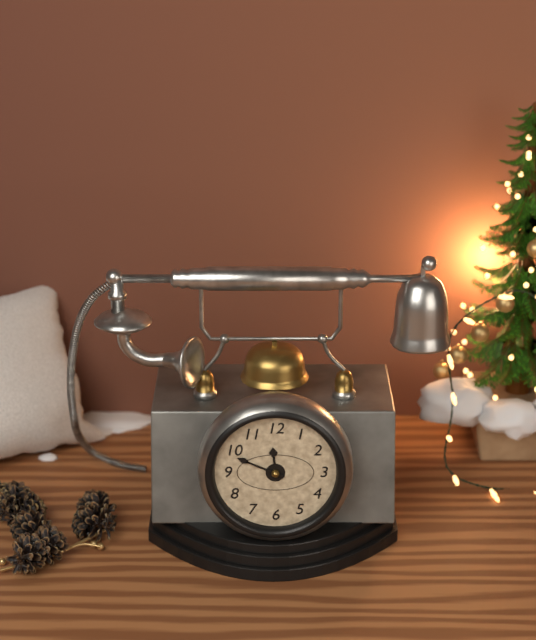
**11:49**
